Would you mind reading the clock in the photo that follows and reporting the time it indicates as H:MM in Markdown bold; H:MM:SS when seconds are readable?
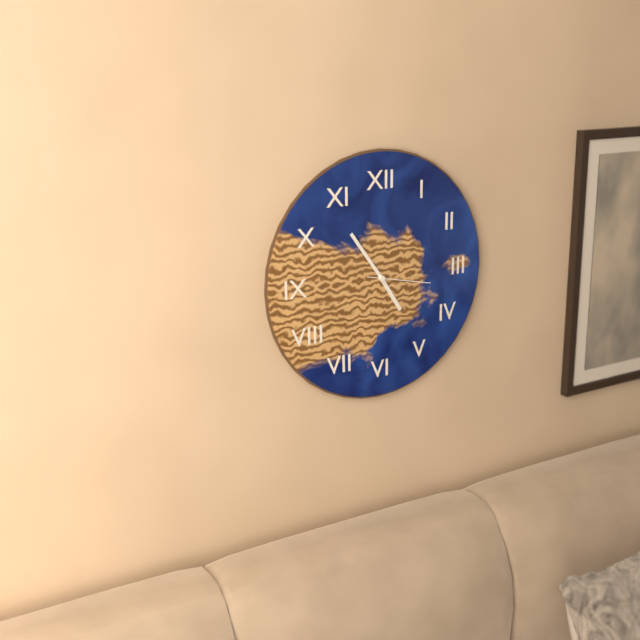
**4:54:17**
